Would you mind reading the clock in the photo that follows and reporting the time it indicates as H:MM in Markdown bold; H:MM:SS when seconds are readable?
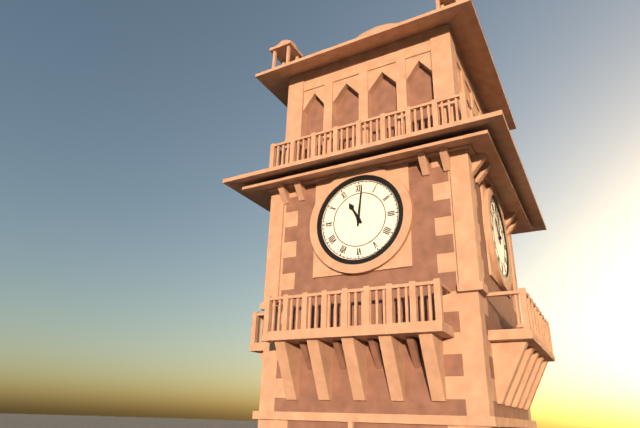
**11:01**
